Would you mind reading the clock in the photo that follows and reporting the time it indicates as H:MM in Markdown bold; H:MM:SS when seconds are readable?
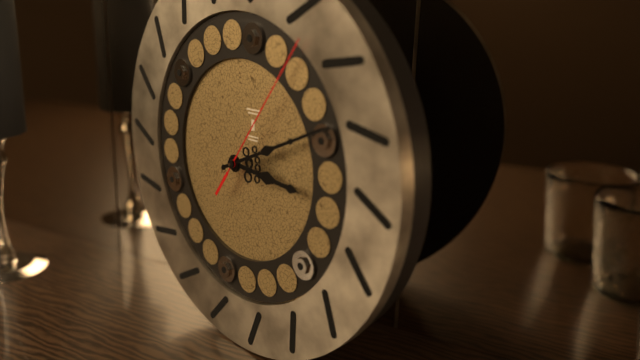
**3:11:06**
